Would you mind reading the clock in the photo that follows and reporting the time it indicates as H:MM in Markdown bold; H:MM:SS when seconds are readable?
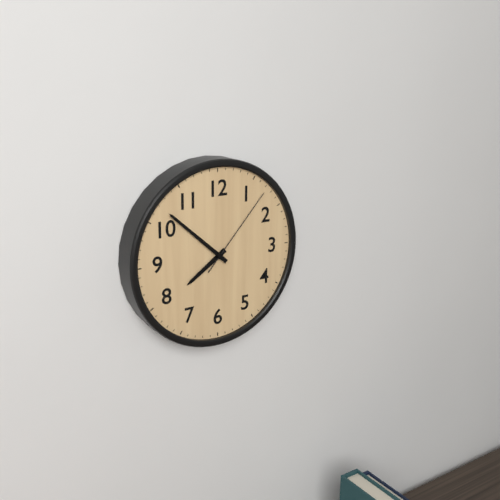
**7:52:07**
